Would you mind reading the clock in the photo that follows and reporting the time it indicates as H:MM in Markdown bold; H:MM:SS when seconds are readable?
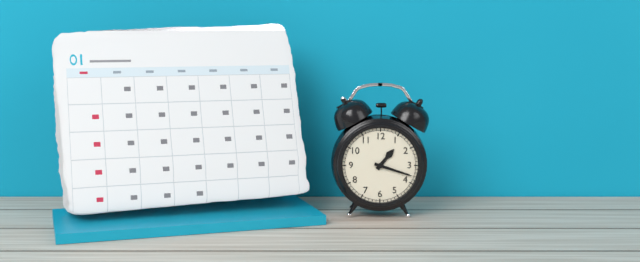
**1:18**
